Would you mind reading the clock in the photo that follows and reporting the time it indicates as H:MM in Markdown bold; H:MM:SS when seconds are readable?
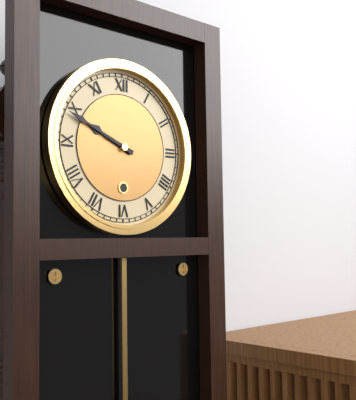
**9:49**
